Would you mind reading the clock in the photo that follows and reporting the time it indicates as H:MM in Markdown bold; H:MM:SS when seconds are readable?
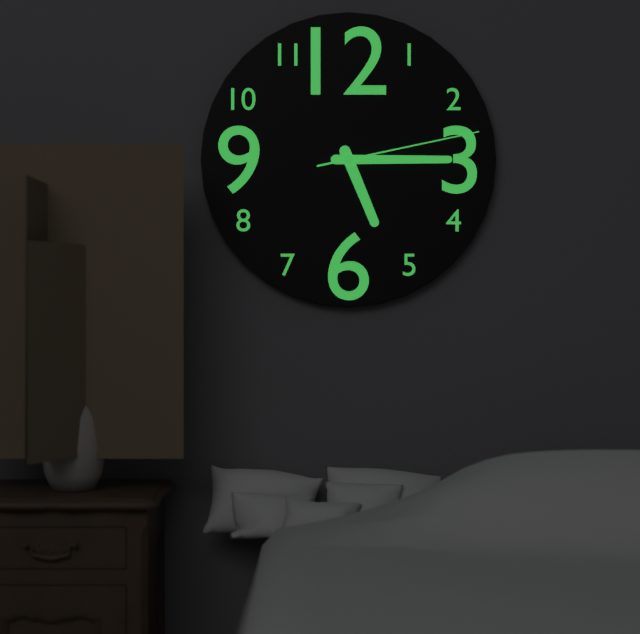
**5:15:13**
